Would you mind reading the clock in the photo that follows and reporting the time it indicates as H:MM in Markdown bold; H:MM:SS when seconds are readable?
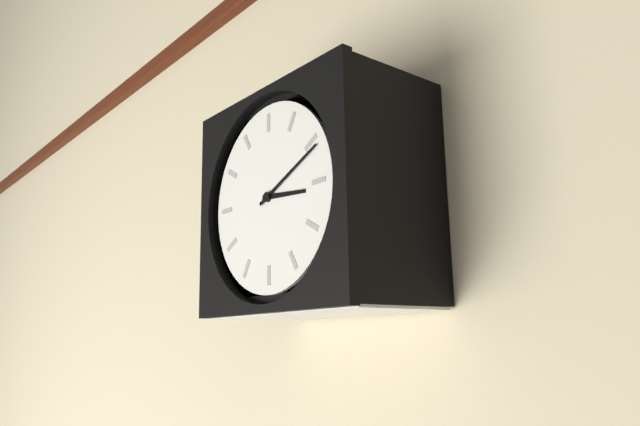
**3:11**
